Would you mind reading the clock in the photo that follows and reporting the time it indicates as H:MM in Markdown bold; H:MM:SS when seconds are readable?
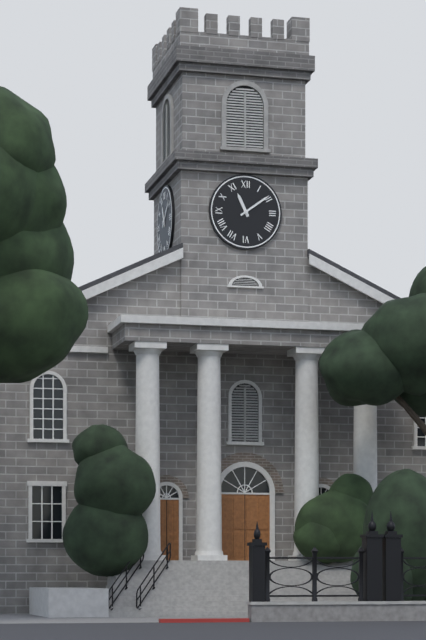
**11:09**
